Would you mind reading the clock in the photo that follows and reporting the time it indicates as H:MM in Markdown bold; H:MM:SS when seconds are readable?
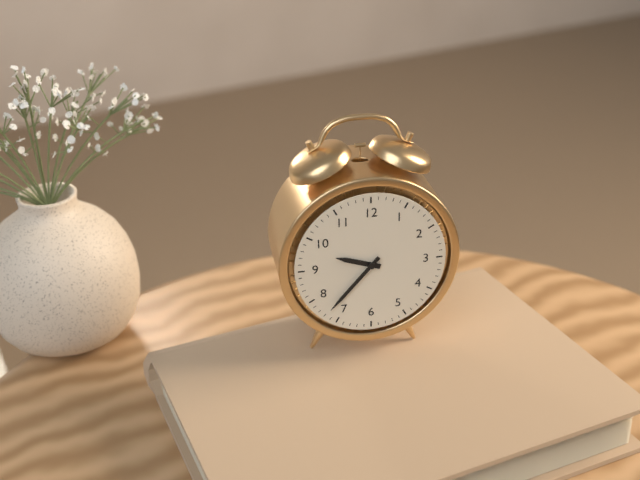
**9:37**
